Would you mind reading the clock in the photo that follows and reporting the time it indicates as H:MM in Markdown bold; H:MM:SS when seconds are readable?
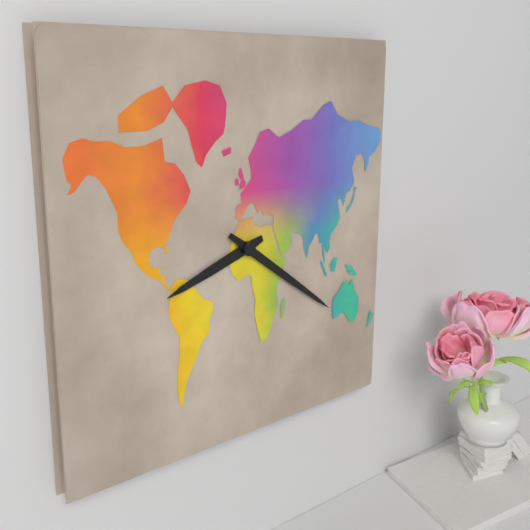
**8:21**
